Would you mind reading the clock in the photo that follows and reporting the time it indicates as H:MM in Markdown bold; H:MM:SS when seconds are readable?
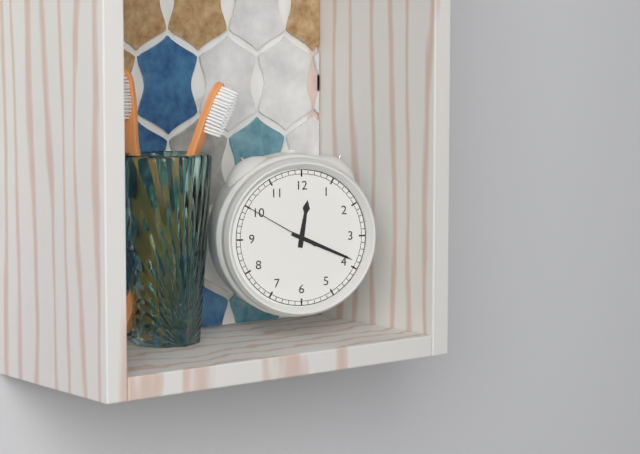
**12:19:50**
